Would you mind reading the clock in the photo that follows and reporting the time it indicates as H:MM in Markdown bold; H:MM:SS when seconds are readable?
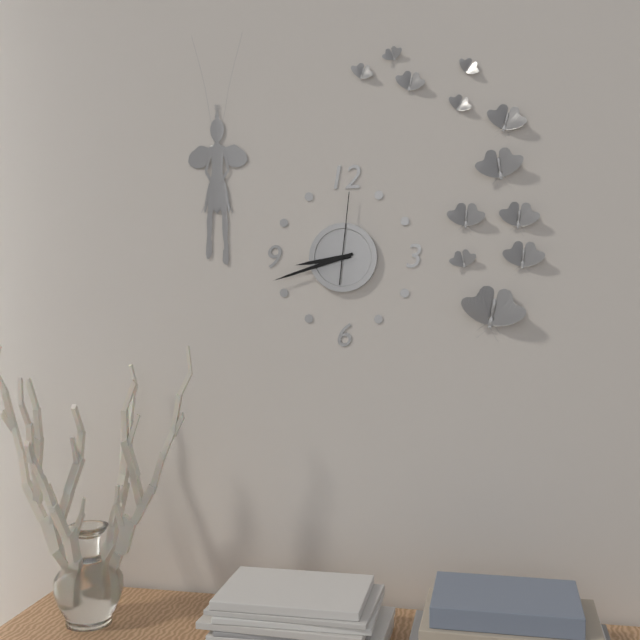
**8:42:01**
